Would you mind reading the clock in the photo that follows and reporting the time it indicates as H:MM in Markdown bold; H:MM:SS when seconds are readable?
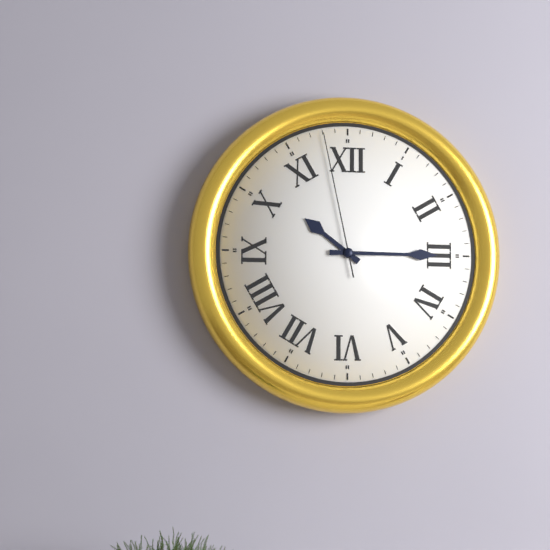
**10:15:58**
